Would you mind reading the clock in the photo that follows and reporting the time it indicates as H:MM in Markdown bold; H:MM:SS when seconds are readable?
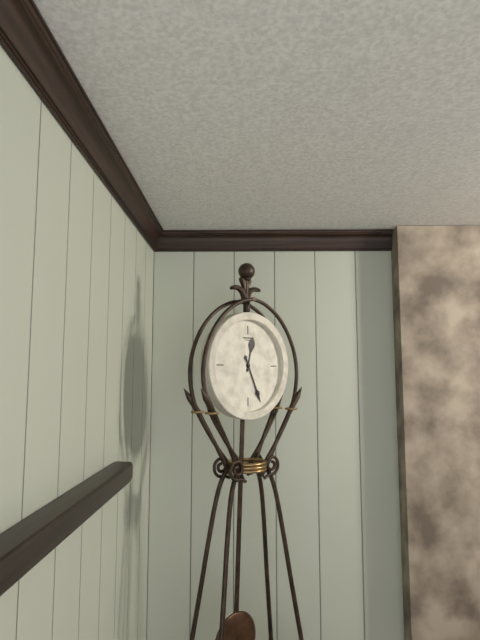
**12:26**
